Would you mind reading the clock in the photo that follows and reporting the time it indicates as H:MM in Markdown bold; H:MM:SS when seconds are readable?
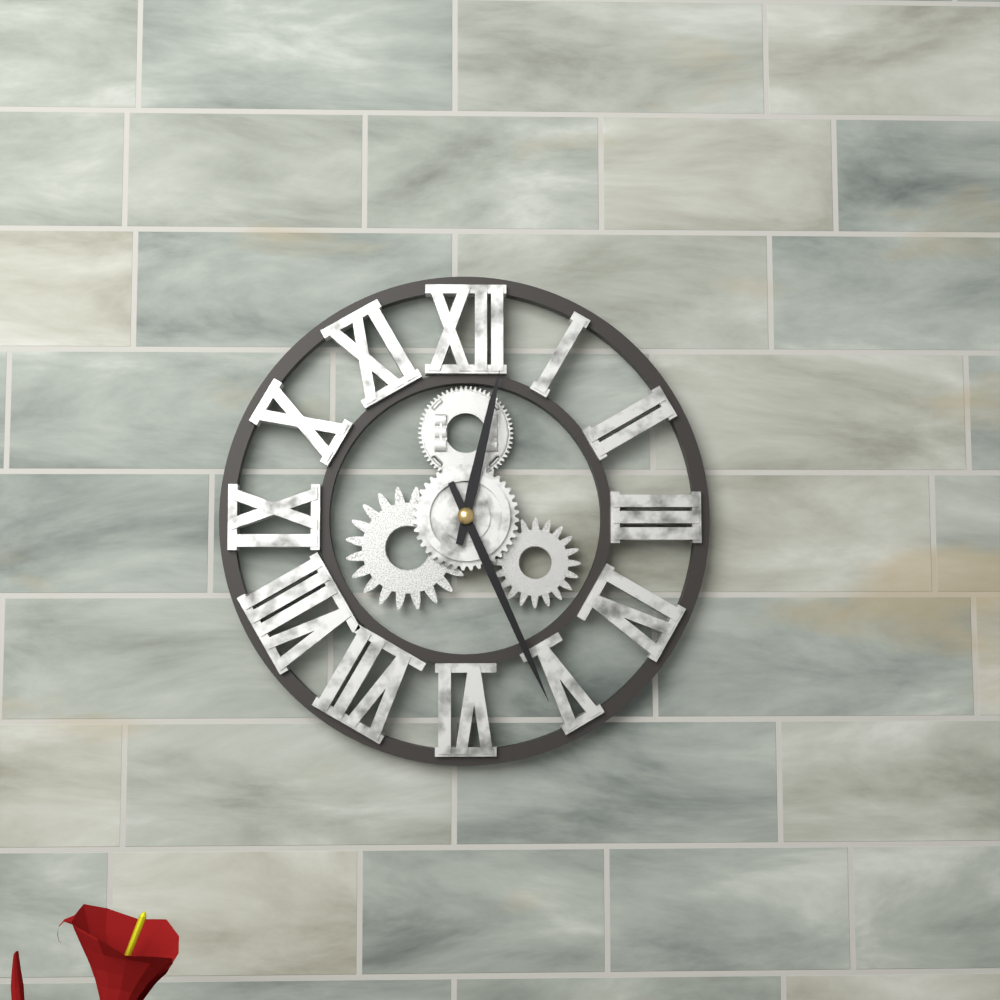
**12:26**
